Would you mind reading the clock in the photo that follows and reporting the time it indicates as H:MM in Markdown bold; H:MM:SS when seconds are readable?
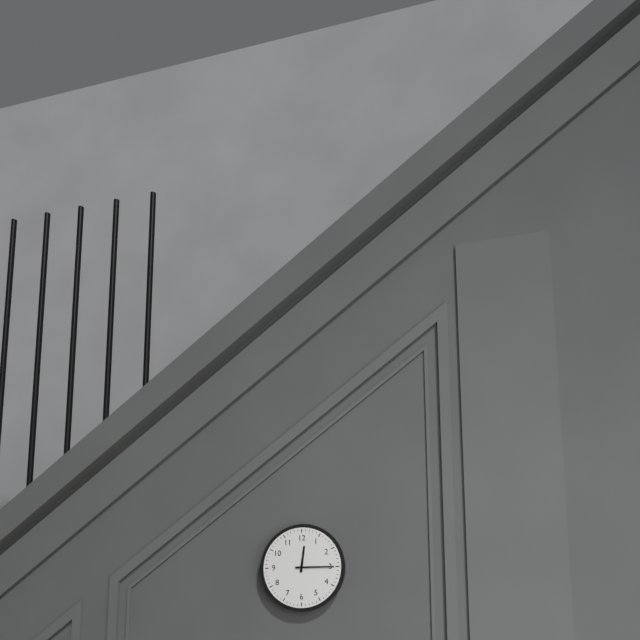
**12:15**
